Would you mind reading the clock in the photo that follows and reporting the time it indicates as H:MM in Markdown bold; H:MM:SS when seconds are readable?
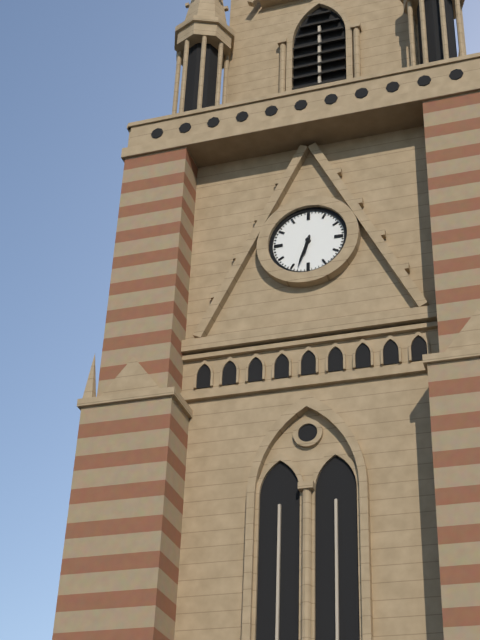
**6:33**
